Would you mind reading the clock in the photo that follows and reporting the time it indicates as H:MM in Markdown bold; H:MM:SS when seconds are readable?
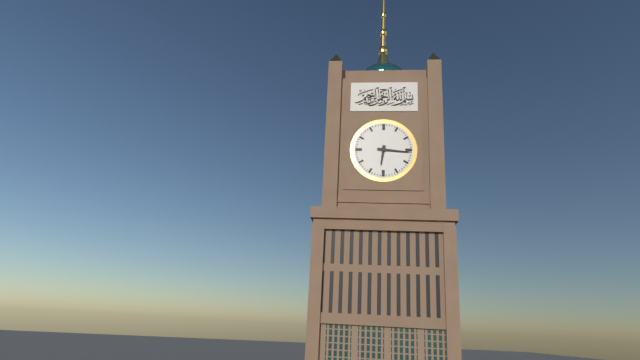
**6:16**
